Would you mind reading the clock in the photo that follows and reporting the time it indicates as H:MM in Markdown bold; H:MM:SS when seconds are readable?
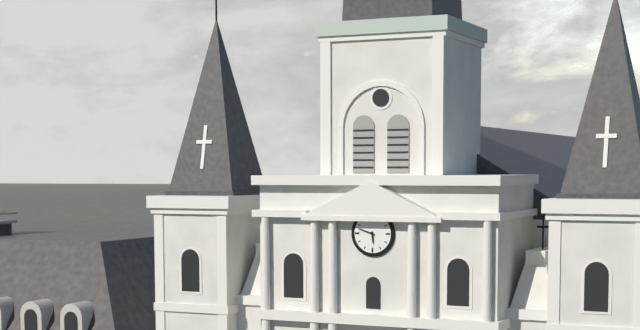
**5:48**
